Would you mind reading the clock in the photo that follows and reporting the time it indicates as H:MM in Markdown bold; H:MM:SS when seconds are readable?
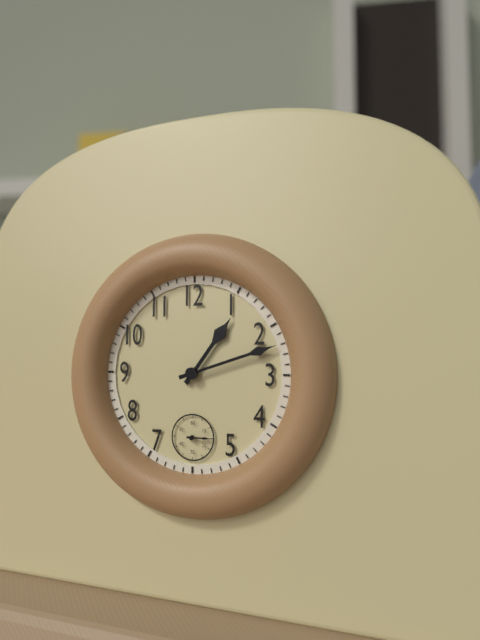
**1:12**
